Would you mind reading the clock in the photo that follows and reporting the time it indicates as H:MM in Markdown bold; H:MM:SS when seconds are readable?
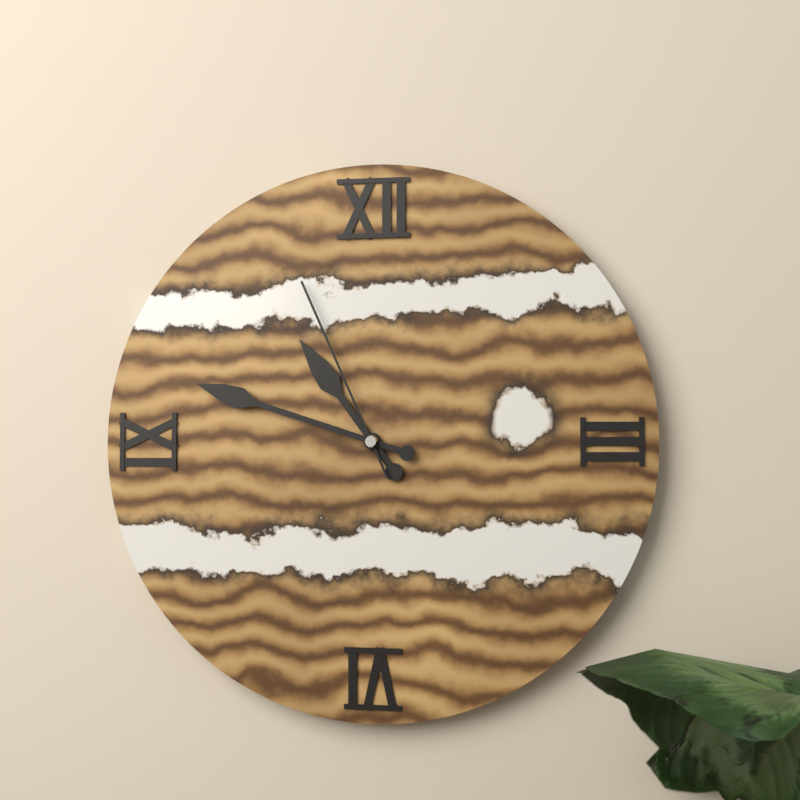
**10:48:56**
